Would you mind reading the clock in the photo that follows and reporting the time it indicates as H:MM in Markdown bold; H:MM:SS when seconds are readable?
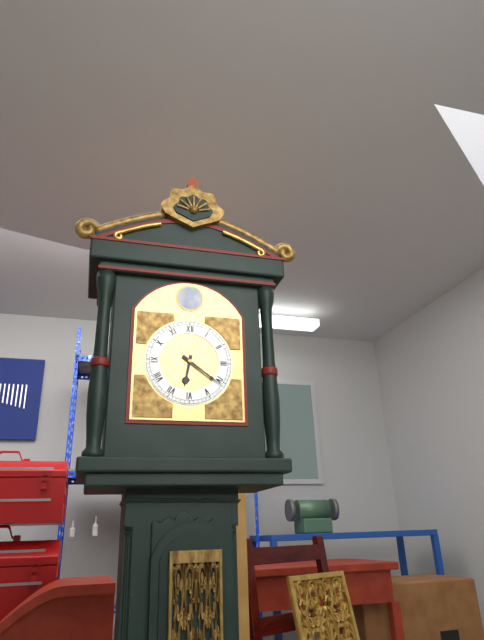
**6:21**
